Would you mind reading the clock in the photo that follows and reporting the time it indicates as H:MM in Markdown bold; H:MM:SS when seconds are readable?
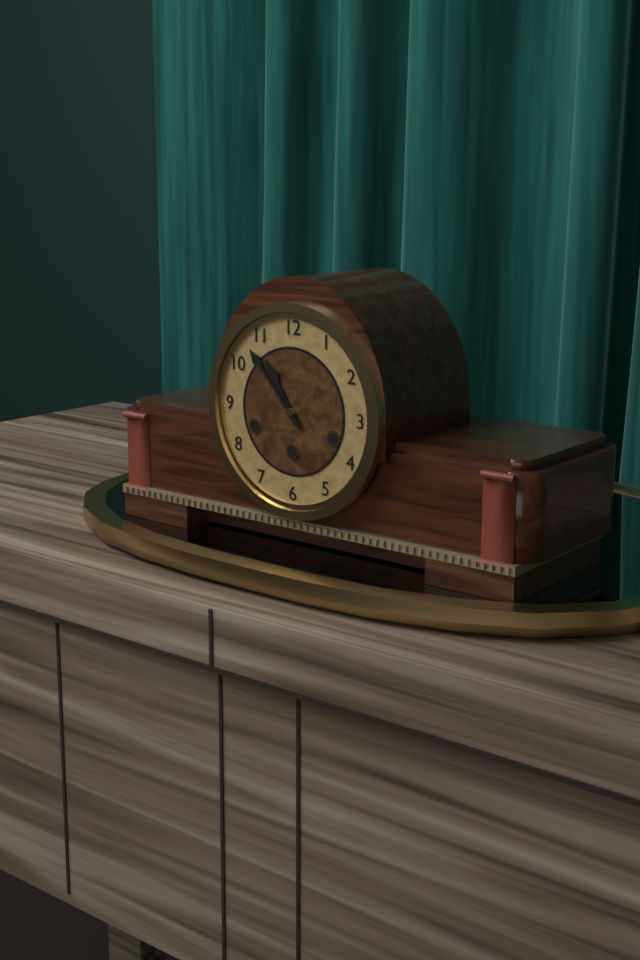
**10:53**
